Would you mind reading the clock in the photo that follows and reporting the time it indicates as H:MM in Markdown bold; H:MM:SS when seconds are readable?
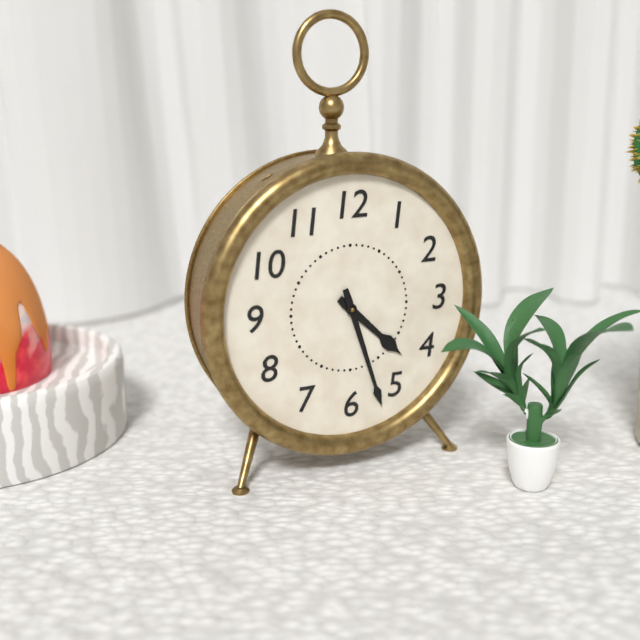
**4:27**
